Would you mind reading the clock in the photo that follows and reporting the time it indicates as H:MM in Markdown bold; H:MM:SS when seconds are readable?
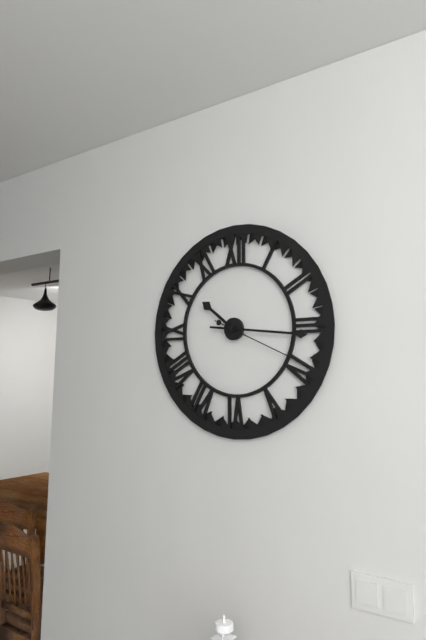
**10:16:19**
